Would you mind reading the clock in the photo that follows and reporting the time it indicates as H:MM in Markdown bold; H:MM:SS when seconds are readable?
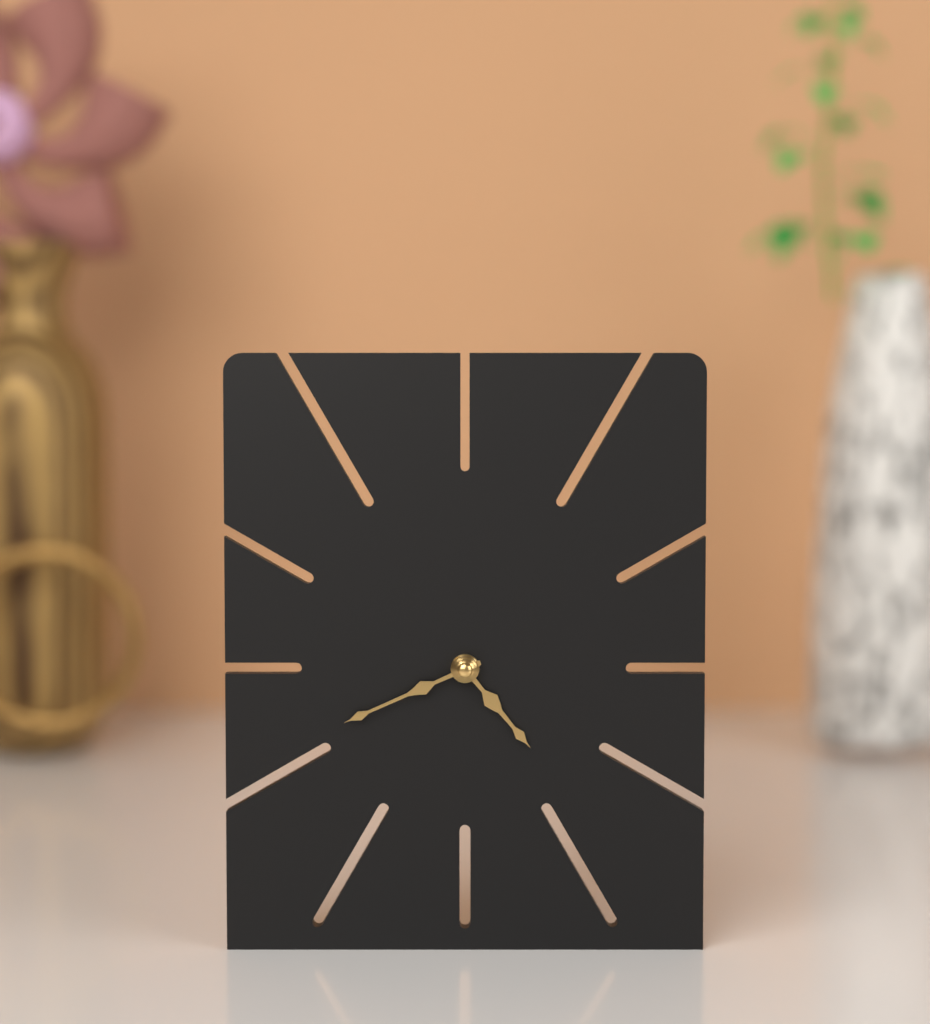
**4:41**
